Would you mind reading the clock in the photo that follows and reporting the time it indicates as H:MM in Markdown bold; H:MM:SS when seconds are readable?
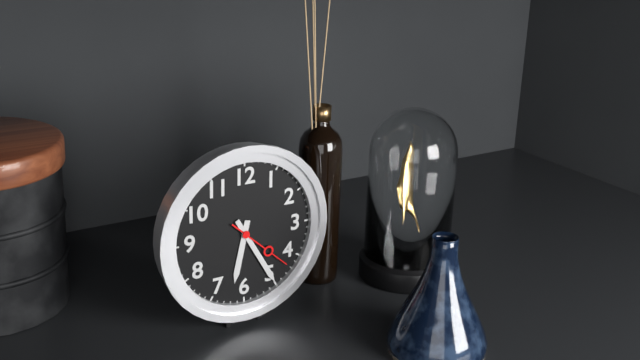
**6:25:22**
